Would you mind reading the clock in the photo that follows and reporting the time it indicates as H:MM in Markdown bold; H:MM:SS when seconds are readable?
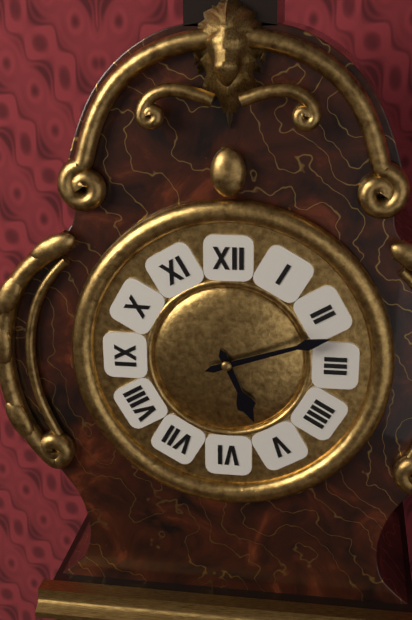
**5:12**
